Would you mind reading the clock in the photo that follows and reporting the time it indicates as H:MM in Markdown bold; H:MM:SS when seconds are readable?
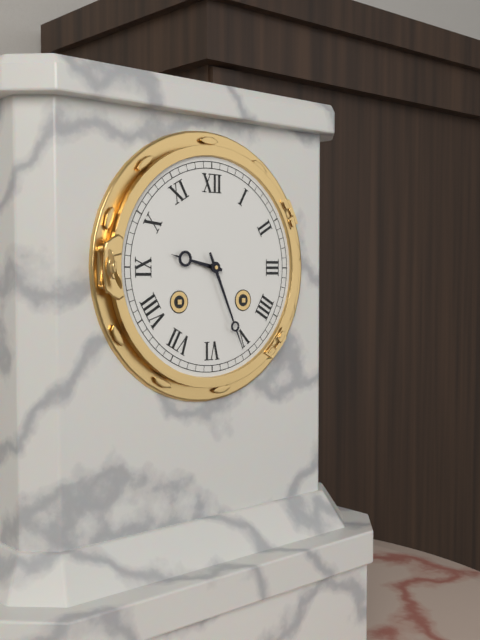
**9:26**
